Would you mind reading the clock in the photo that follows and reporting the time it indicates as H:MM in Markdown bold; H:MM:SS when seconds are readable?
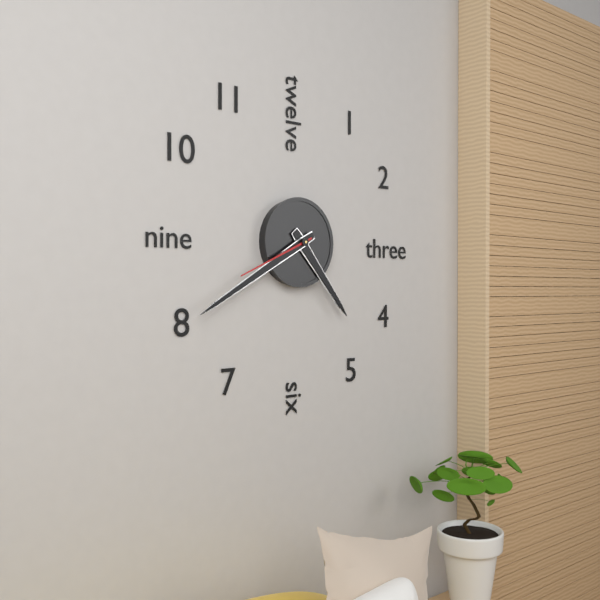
**4:40:41**
